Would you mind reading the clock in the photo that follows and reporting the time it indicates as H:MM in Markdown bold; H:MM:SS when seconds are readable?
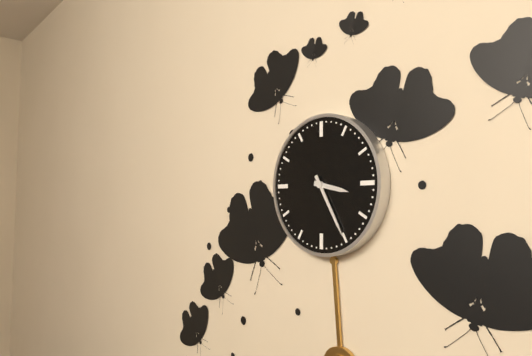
**3:25**
